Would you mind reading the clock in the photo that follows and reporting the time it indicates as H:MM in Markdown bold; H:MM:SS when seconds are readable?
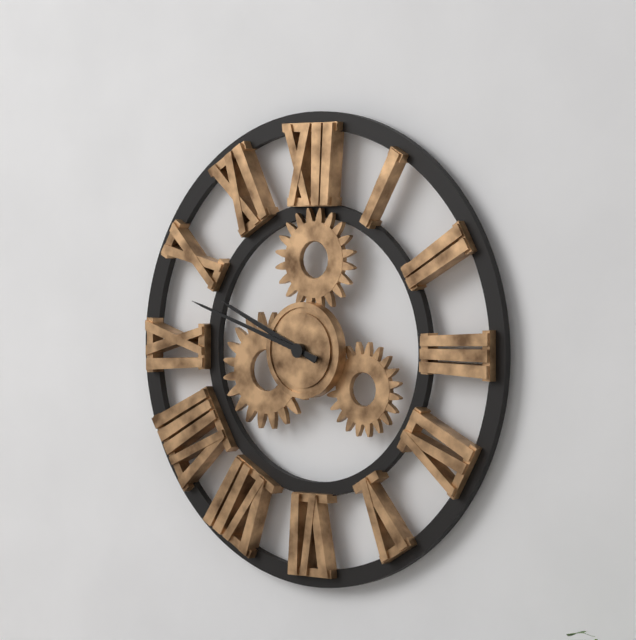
**9:48**
